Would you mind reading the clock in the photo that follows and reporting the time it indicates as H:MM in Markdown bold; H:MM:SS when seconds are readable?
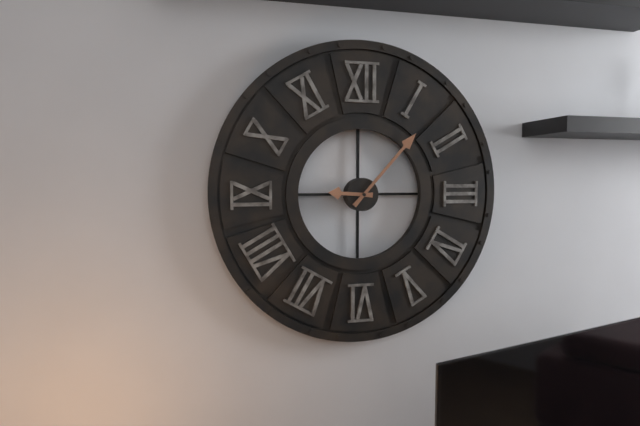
**9:07**
